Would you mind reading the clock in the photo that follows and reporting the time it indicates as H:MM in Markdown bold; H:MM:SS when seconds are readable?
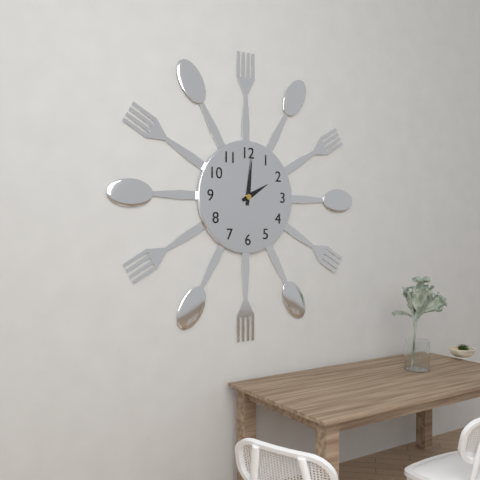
**2:01**
